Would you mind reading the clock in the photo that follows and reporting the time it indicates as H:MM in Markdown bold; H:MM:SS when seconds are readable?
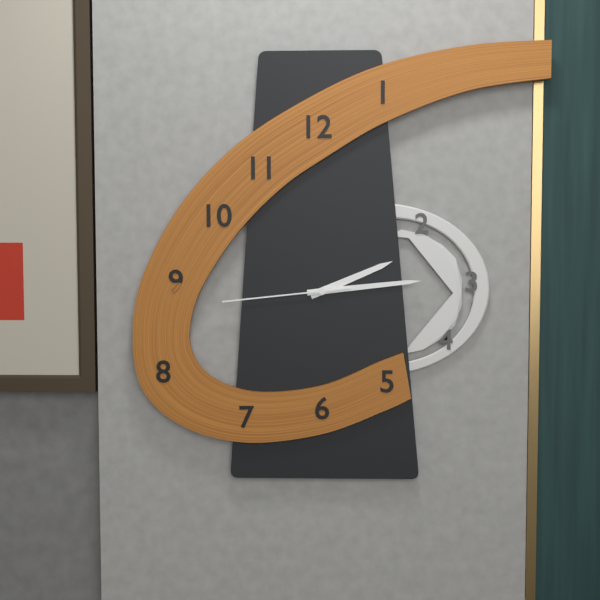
**2:14:44**
